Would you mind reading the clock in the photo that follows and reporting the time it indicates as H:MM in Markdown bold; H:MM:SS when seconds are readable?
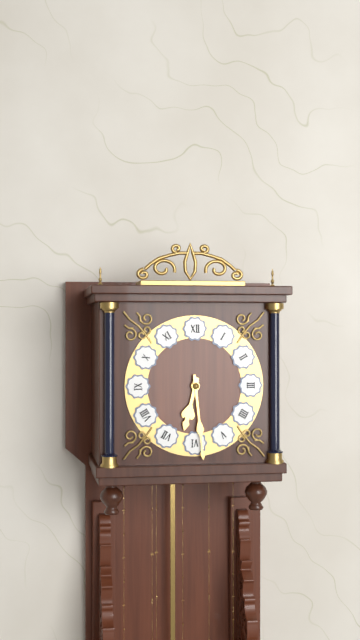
**6:29**
